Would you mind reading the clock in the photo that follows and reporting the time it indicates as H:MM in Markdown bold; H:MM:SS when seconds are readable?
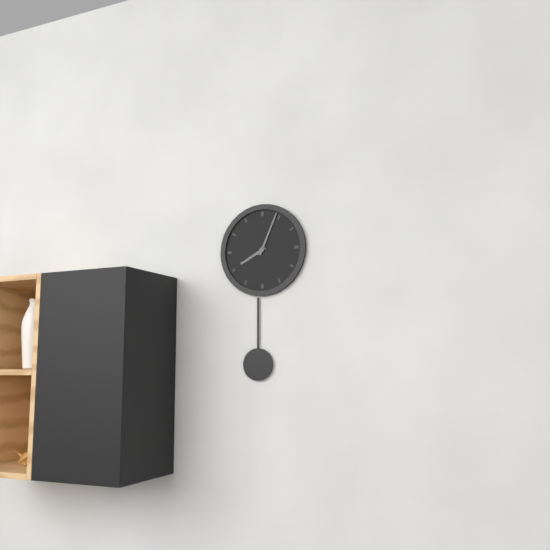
**8:04**
